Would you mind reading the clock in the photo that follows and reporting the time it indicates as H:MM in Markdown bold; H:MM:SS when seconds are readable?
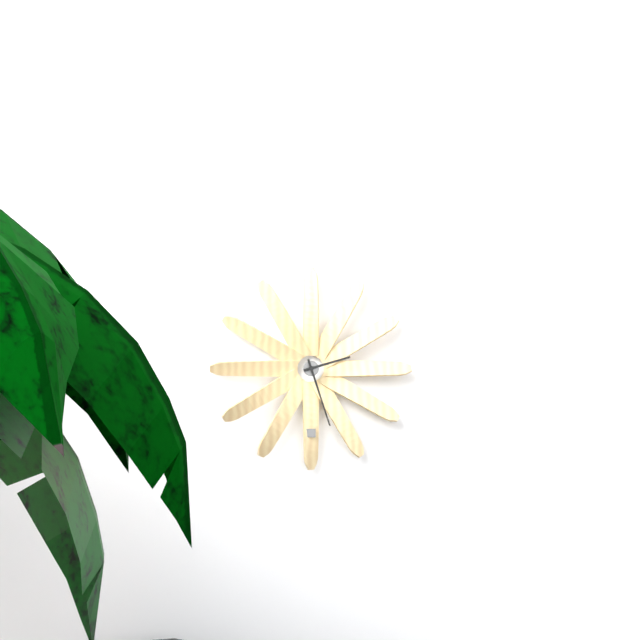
**2:27**
